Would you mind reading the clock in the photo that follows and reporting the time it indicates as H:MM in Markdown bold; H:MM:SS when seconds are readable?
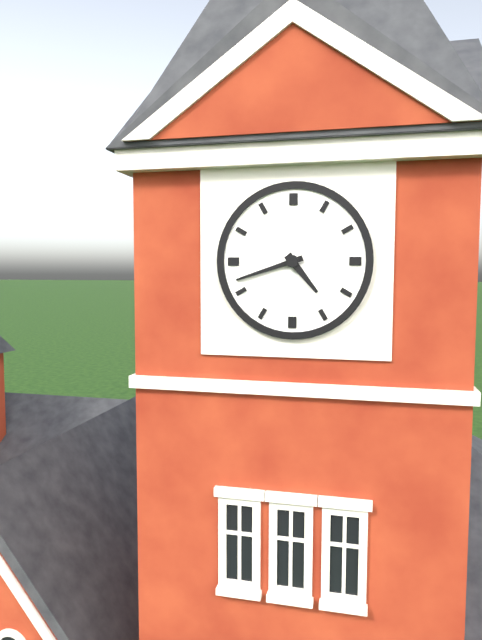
**4:42**
